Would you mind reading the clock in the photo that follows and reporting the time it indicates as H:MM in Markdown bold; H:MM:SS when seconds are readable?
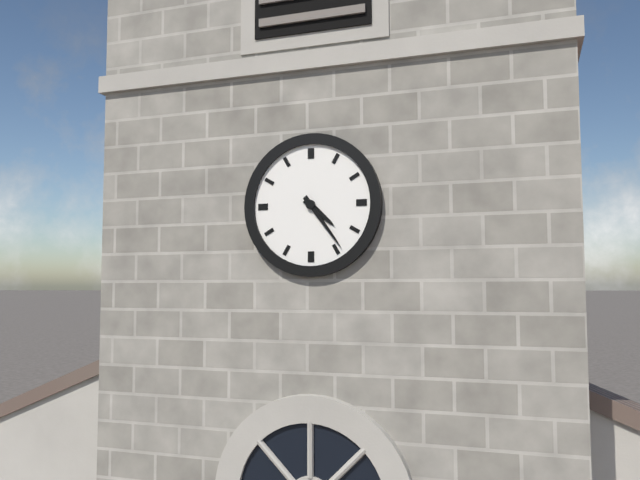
**4:24**
